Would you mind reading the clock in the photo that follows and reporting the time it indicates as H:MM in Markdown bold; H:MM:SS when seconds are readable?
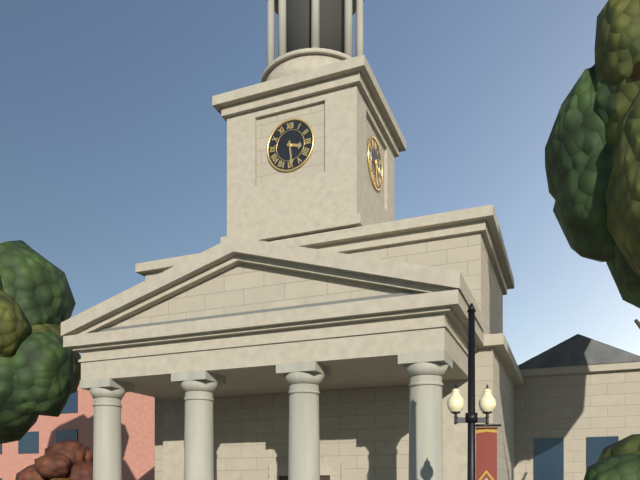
**3:29**
